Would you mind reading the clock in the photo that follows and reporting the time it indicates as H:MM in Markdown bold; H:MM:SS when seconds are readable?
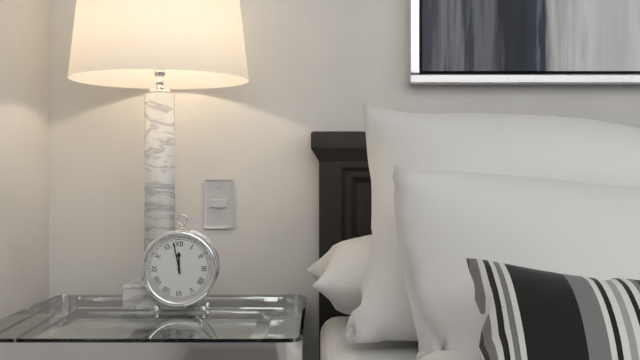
**11:58**
